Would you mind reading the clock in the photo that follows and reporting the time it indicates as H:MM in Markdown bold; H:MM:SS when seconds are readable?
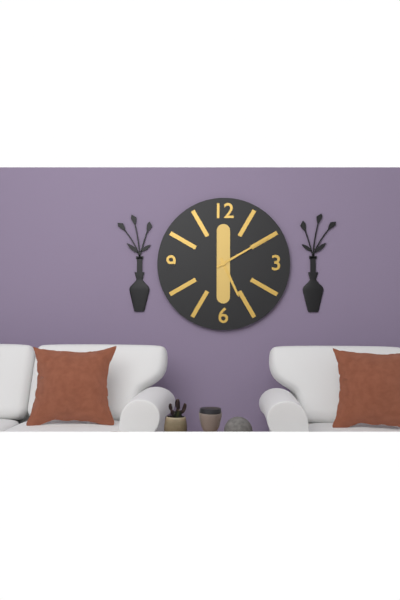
**5:10**
